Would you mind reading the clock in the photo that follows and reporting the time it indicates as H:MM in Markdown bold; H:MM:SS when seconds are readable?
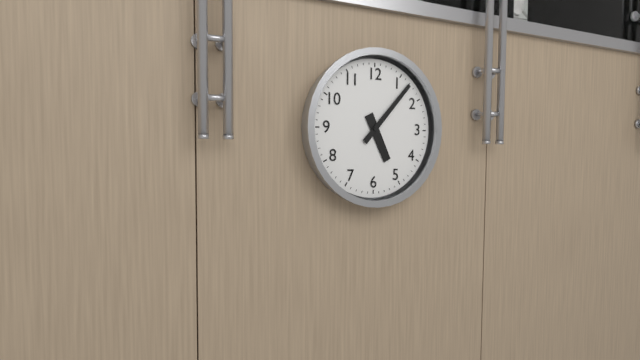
**5:07**
